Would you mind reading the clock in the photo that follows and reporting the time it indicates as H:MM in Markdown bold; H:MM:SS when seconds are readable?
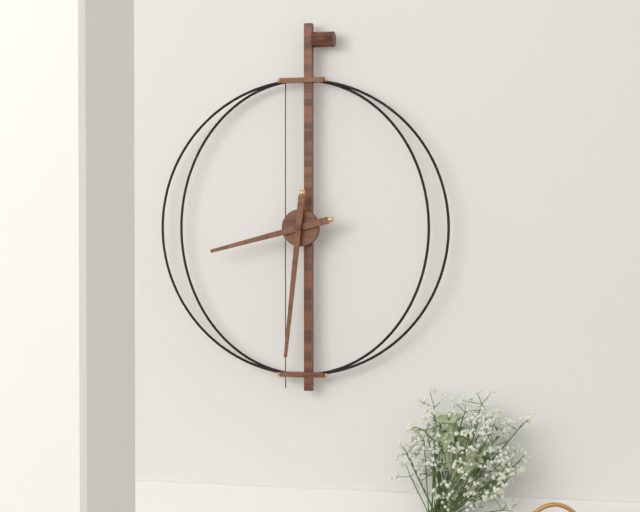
**8:31**
